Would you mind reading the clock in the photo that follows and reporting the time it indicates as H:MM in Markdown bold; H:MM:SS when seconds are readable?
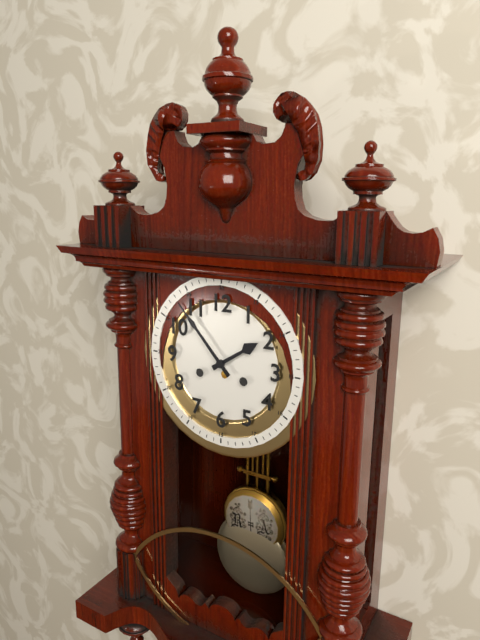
**1:53**
